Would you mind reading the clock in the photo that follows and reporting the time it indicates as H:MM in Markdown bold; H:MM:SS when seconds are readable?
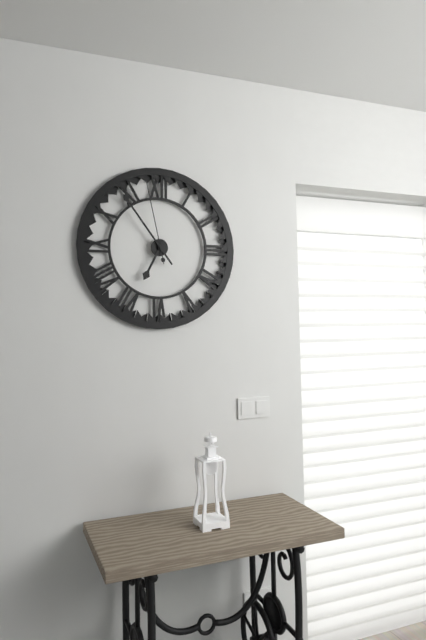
**6:54:58**
